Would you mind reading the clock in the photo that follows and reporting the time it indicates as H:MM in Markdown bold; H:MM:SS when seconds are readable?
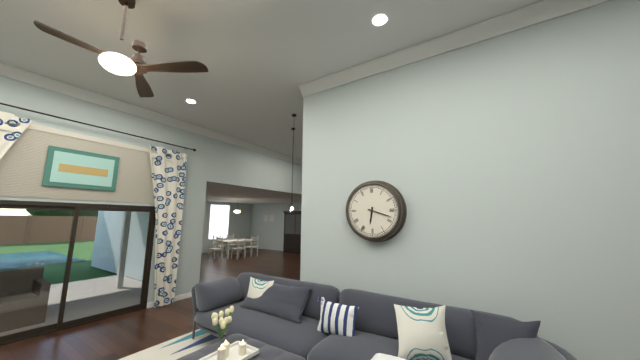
**6:18**
